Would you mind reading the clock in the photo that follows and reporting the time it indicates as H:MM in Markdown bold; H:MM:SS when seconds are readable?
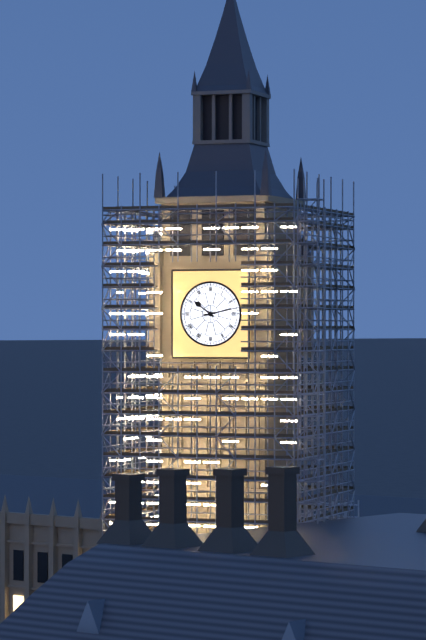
**10:13**
